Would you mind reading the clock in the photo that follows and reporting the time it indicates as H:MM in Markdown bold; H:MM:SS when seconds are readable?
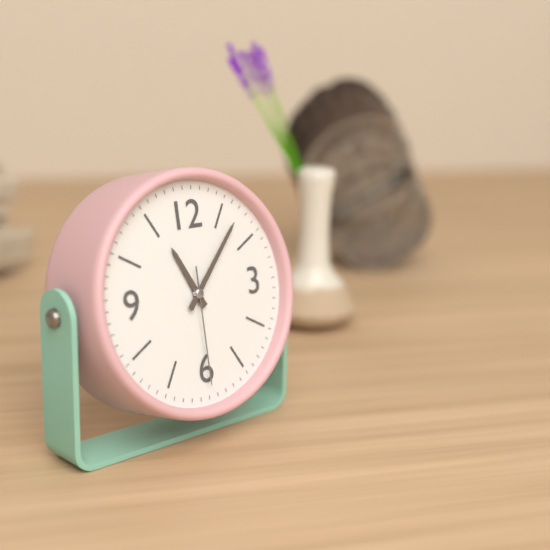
**11:07:30**
